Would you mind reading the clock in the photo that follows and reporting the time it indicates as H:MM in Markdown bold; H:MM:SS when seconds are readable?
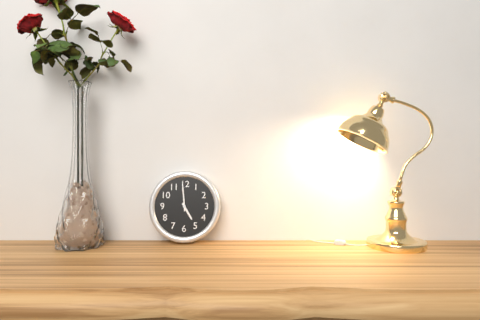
**4:59**
